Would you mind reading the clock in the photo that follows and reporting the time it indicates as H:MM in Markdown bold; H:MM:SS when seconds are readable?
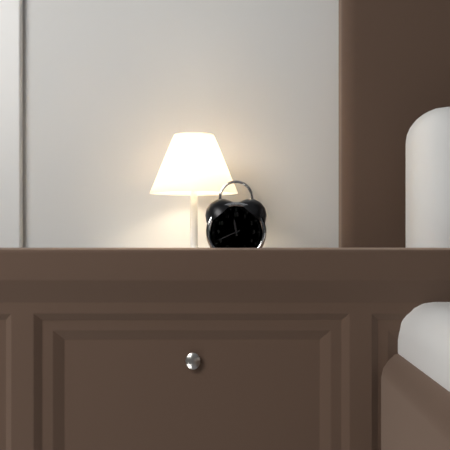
**11:41**
